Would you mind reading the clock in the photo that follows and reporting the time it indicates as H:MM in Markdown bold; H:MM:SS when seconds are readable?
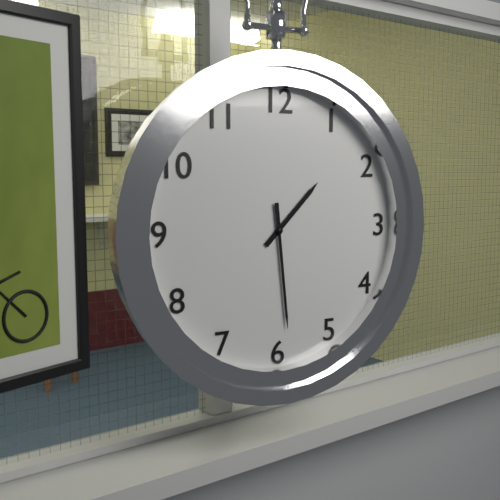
**1:29**
